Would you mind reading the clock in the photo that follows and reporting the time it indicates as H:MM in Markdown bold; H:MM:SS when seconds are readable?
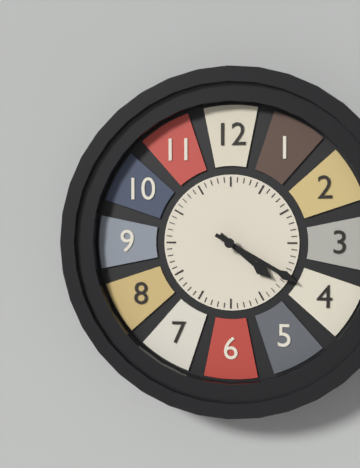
**4:20**
